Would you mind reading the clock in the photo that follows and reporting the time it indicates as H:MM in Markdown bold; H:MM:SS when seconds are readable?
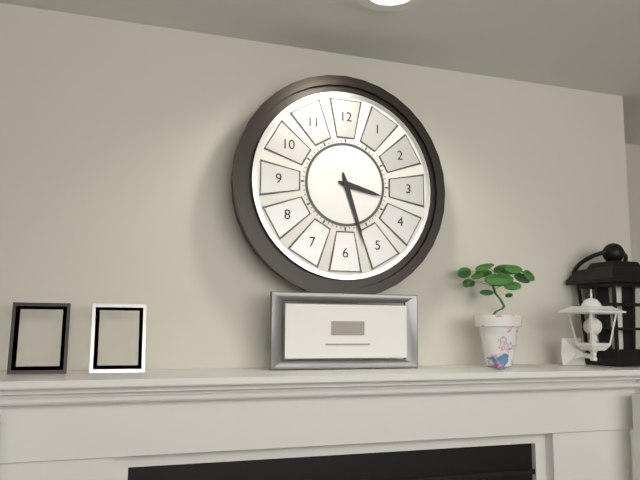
**3:27**
